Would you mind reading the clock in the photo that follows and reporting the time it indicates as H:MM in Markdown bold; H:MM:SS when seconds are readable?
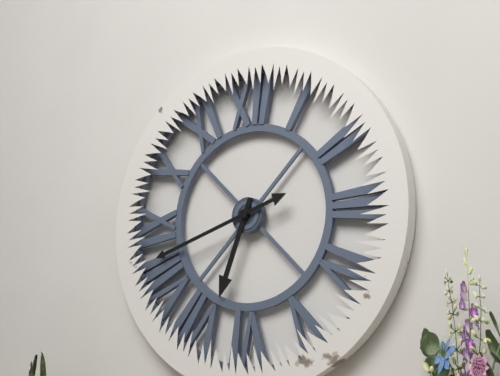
**6:42**
